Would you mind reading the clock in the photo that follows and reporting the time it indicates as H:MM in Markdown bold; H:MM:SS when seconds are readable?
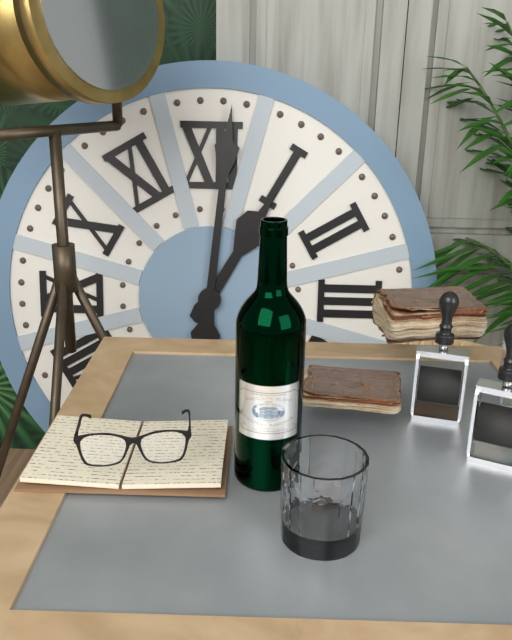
**1:01**
